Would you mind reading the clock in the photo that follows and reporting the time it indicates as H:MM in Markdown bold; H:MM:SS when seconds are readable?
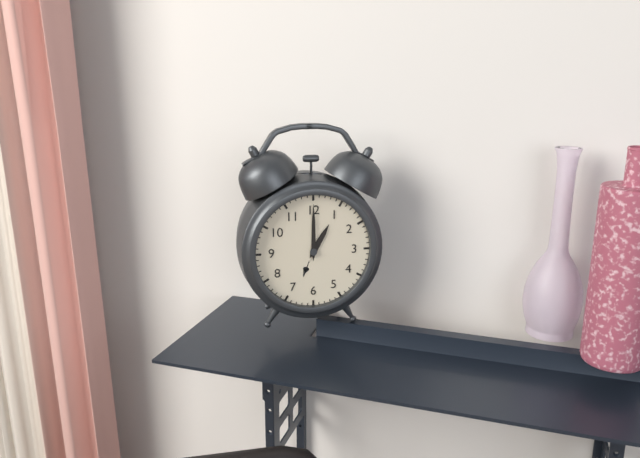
**1:00**
